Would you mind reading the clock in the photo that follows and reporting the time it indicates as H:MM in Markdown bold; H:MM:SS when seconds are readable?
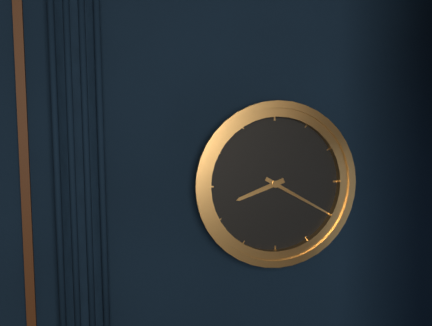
**8:20**
